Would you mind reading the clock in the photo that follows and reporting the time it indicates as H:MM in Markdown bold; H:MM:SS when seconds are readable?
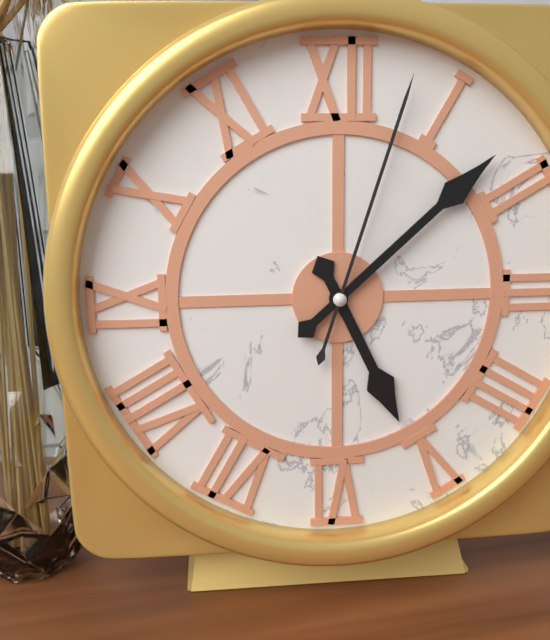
**5:08:03**
